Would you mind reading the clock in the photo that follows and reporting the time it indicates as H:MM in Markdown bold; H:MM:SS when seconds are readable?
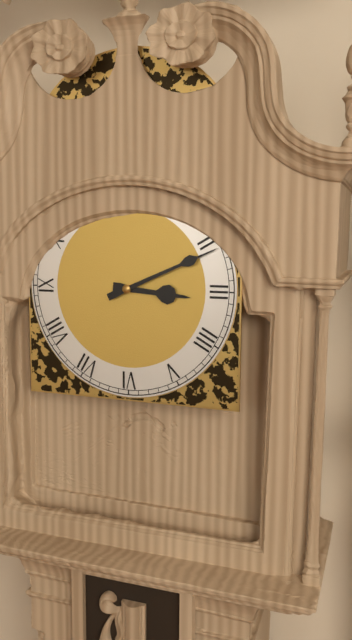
**3:11**
